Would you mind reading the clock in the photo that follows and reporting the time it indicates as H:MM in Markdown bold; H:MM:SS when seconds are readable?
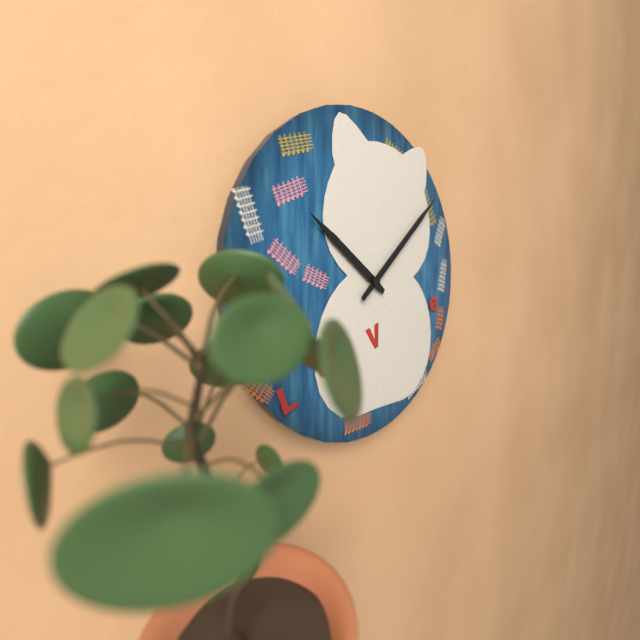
**10:08**
